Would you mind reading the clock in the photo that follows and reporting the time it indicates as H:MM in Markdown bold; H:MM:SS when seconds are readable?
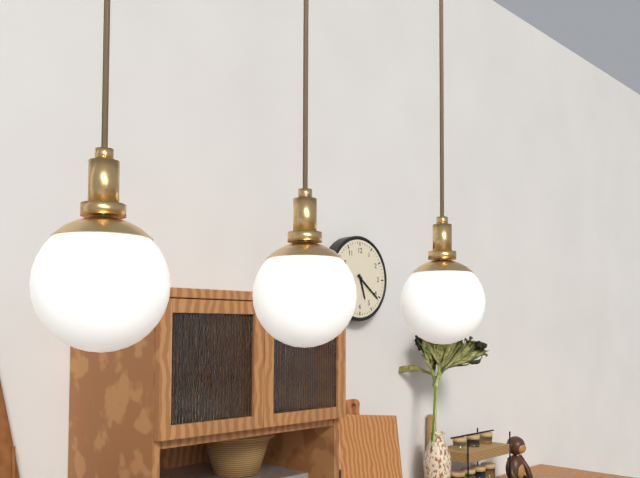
**5:21**
